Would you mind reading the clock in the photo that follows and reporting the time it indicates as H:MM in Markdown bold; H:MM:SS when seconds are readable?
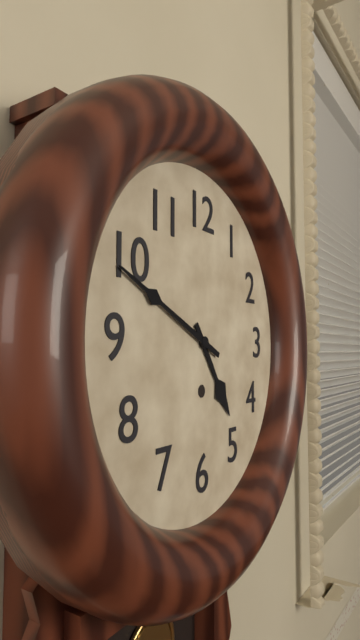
**4:49**
